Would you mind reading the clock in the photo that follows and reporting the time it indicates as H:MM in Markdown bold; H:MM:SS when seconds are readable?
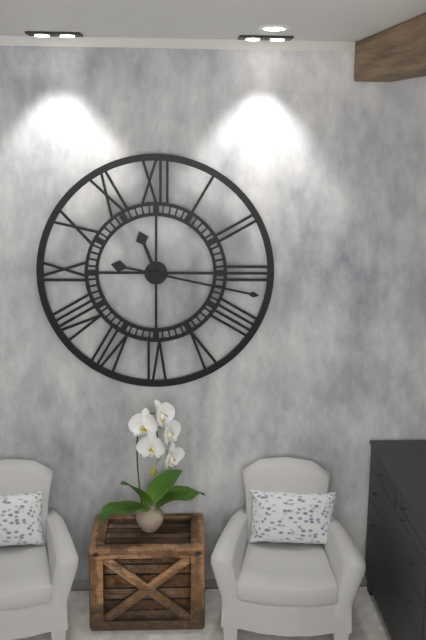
**11:17**
